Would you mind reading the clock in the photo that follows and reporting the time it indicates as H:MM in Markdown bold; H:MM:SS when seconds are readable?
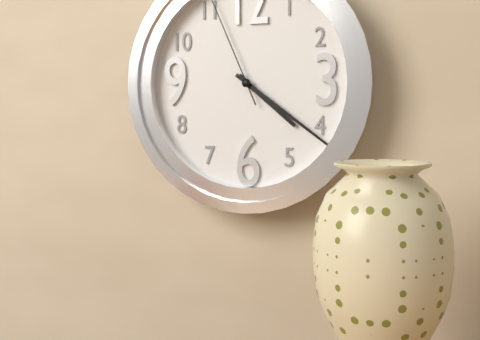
**4:21**
